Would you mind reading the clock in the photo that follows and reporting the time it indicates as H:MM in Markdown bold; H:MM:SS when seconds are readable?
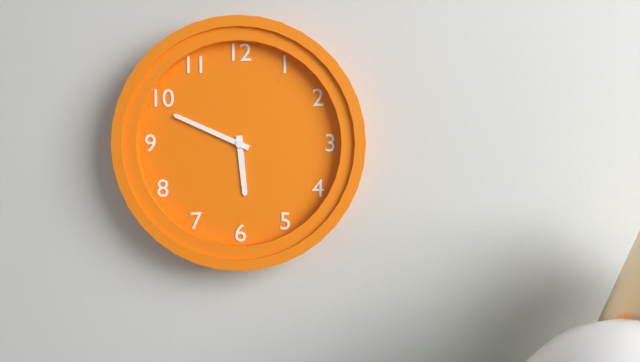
**5:49**
